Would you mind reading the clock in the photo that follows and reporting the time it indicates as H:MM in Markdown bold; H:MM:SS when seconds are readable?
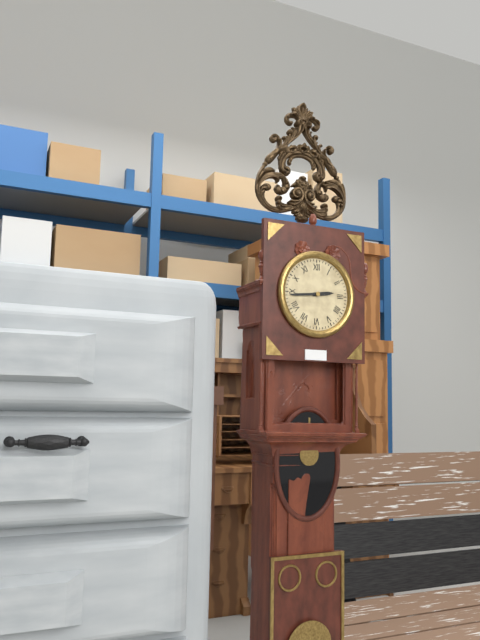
**2:44**
